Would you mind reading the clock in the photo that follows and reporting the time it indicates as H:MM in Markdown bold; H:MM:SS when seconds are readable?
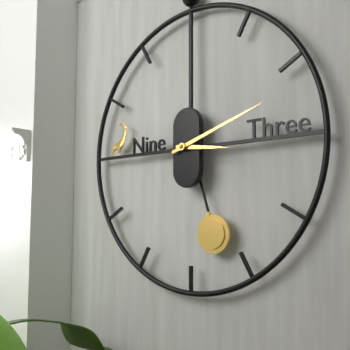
**3:12**
